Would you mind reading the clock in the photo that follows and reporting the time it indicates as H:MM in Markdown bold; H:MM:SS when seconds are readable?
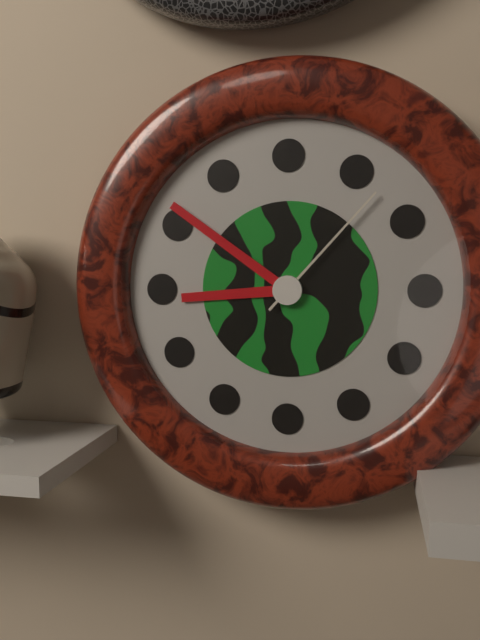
**8:51:07**
